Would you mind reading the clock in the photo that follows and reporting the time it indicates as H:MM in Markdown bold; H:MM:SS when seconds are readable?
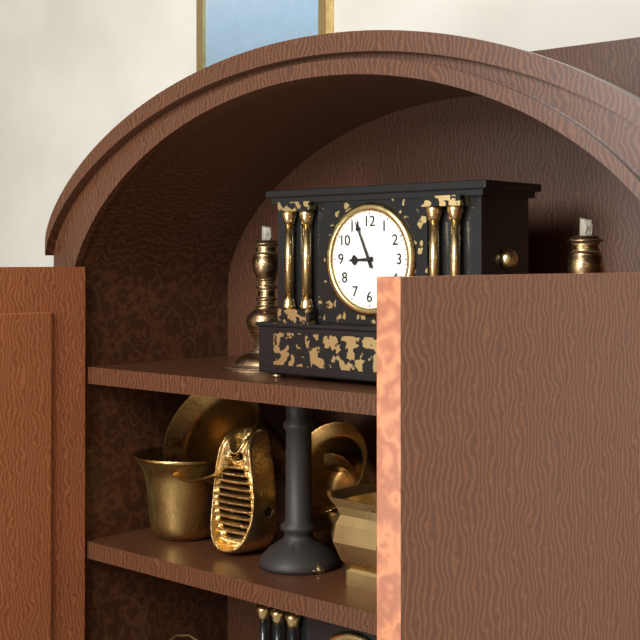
**8:56**
